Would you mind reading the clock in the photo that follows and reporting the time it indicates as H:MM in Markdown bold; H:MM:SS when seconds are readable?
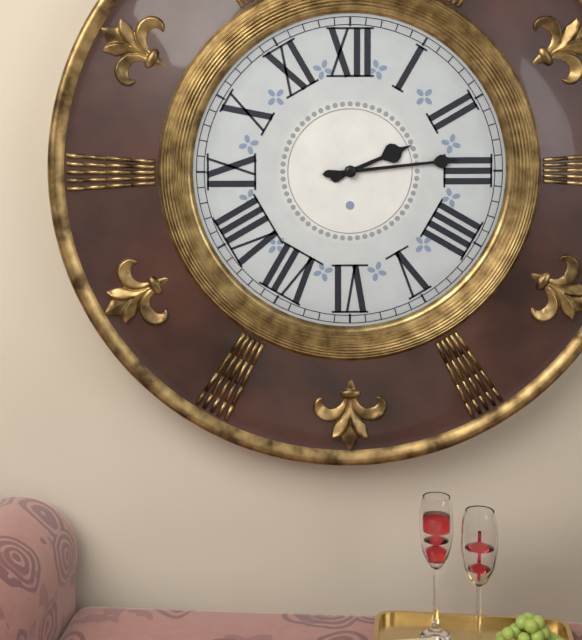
**2:14**
